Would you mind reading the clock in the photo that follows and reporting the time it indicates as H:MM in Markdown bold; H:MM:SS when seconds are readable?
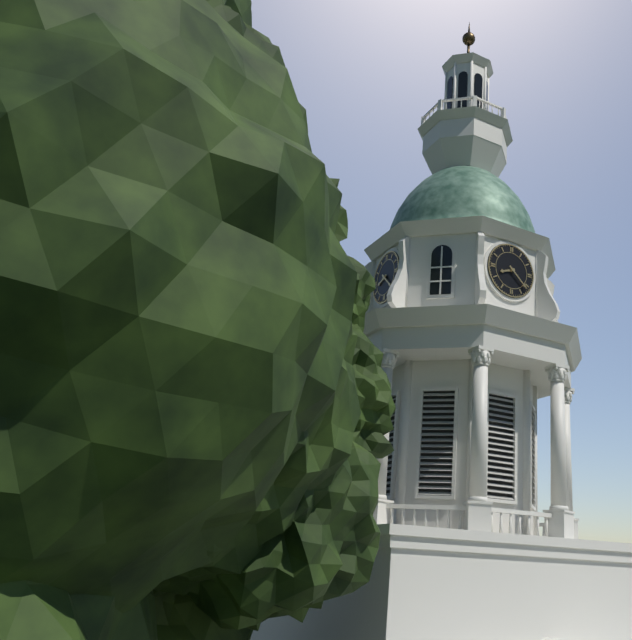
**8:22**
